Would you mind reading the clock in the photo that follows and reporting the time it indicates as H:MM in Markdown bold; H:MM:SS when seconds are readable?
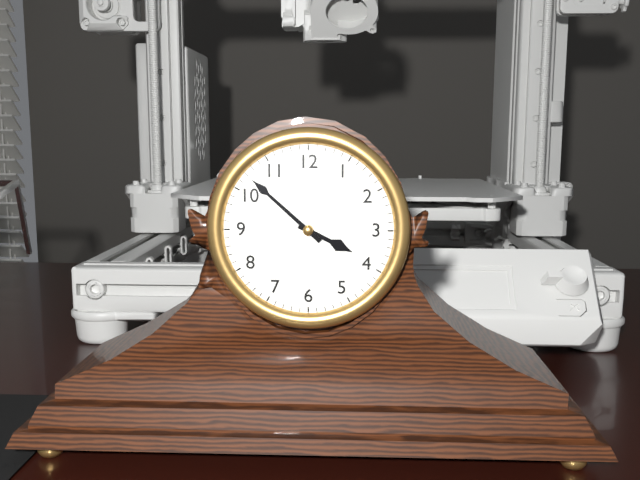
**3:52**
